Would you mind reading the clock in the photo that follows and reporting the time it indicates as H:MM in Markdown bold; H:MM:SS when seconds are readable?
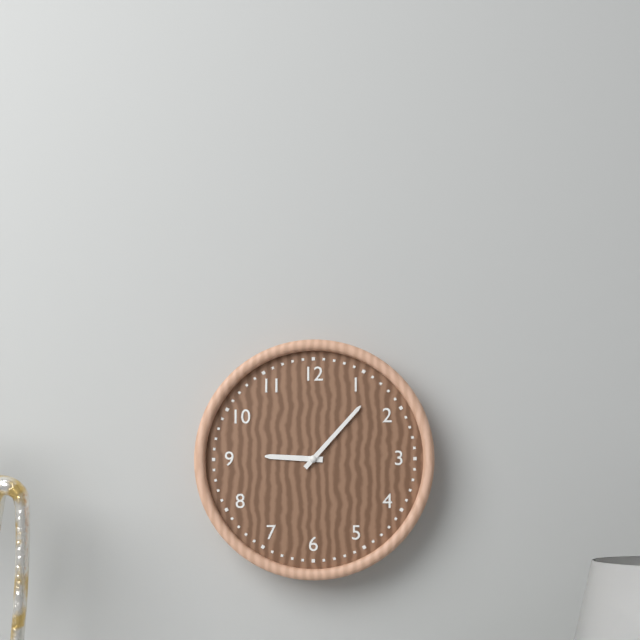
**9:07**
